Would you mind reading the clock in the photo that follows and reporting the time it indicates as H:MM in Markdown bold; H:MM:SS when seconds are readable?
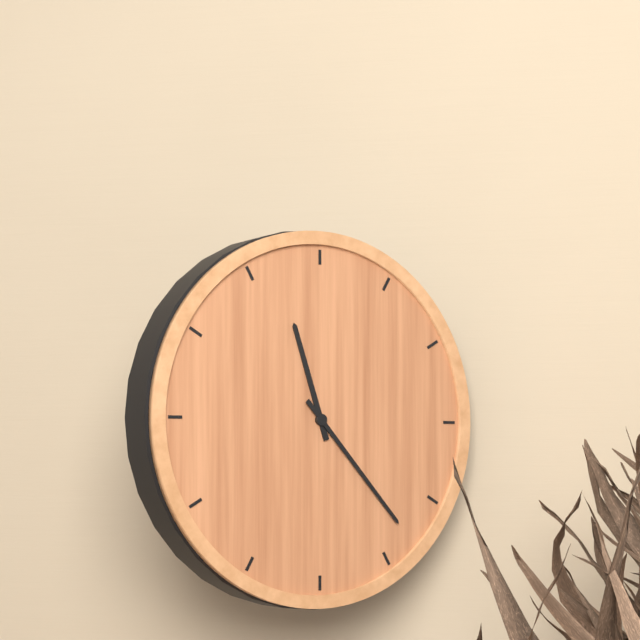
**11:23**
